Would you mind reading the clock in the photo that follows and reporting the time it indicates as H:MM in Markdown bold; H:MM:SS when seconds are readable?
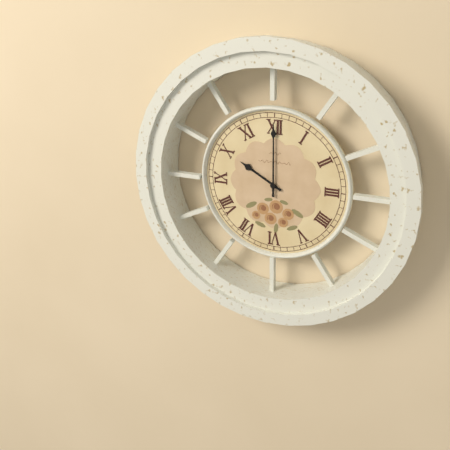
**10:00**
